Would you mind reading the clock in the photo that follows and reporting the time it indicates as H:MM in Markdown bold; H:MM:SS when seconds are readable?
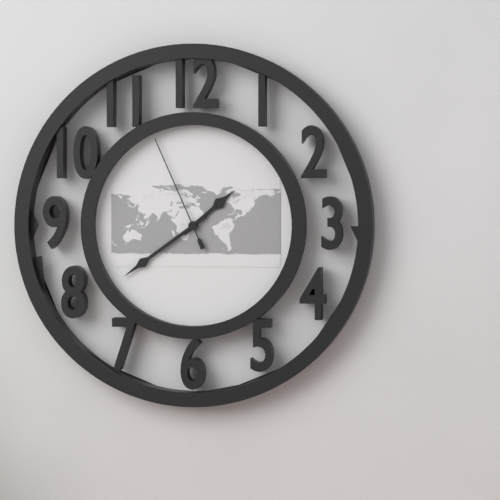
**1:39:56**
